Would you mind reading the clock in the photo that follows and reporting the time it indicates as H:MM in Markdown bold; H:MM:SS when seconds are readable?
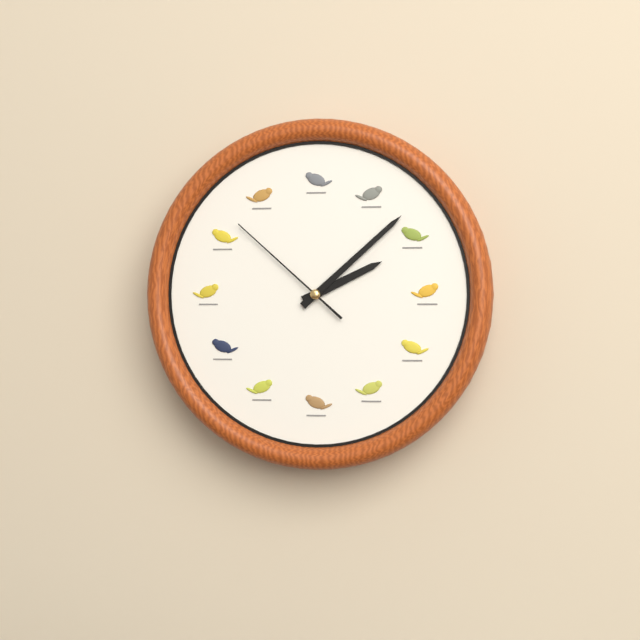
**2:08:52**
